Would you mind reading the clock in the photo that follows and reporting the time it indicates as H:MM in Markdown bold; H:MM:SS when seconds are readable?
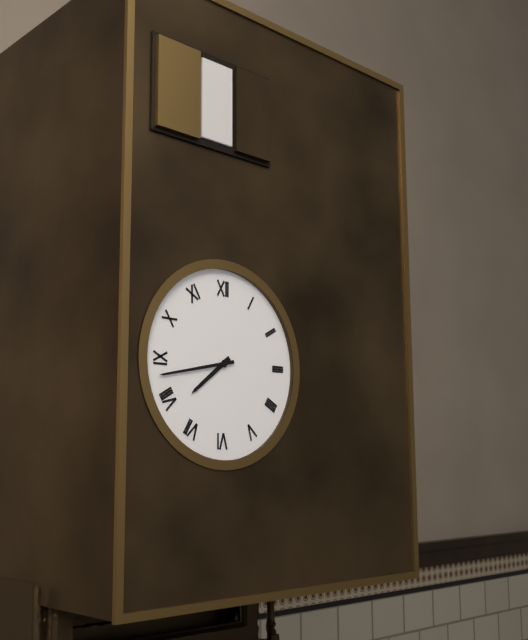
**7:43**
